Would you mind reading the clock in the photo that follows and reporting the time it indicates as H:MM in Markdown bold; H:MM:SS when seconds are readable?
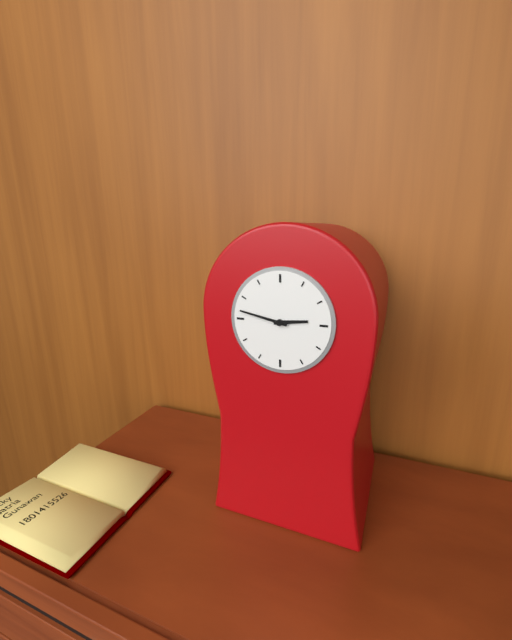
**2:47**
